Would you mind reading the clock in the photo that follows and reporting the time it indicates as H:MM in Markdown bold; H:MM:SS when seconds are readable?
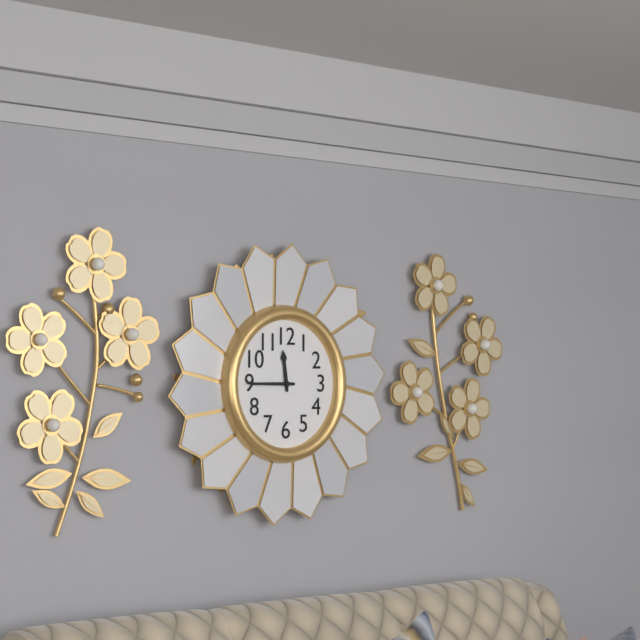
**11:45**
